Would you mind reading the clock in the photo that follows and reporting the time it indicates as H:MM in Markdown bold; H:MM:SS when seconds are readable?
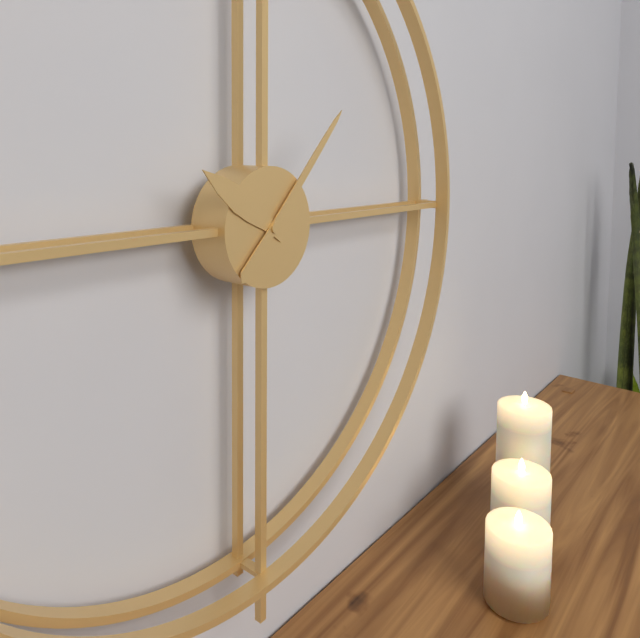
**10:07**
